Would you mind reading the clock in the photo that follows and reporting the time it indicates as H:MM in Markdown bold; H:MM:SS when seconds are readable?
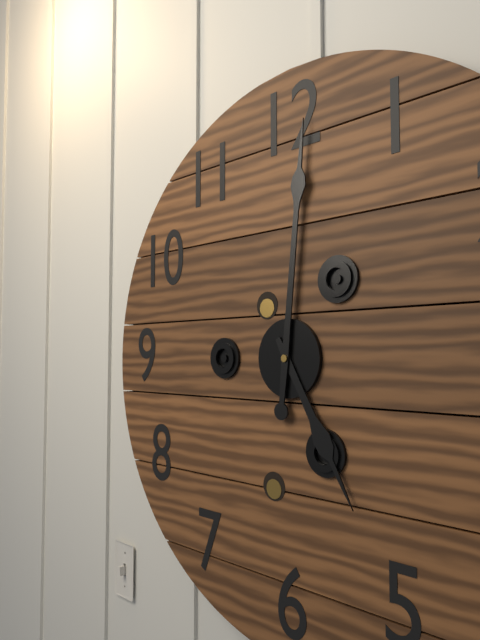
**5:01**
